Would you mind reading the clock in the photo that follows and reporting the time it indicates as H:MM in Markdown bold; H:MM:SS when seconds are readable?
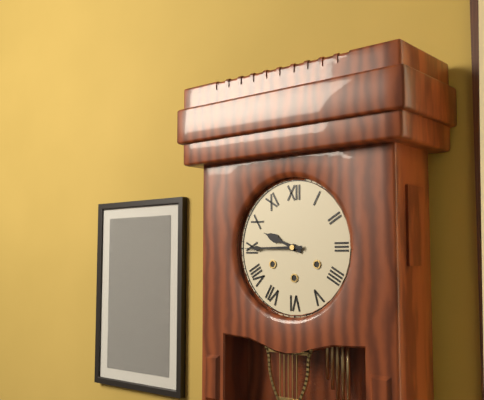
**9:45**
